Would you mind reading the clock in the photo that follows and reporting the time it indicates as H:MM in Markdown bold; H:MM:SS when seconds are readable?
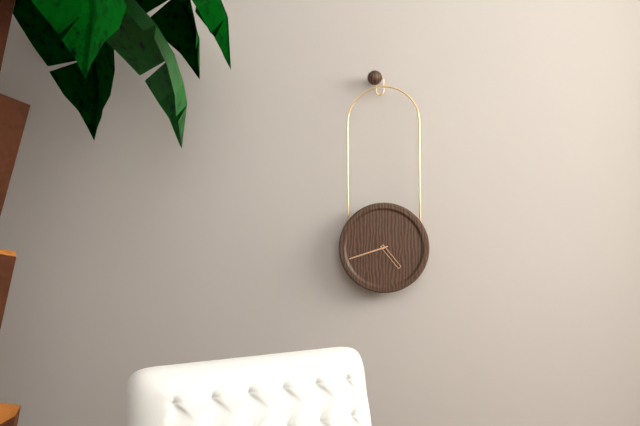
**4:42**
